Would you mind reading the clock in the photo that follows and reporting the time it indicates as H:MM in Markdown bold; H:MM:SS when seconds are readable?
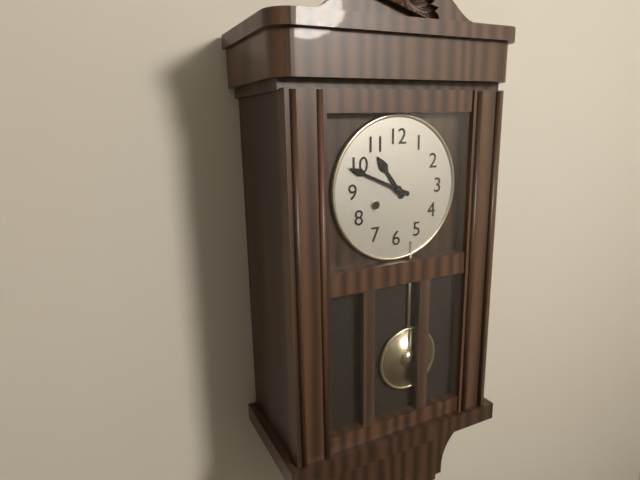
**10:49**
